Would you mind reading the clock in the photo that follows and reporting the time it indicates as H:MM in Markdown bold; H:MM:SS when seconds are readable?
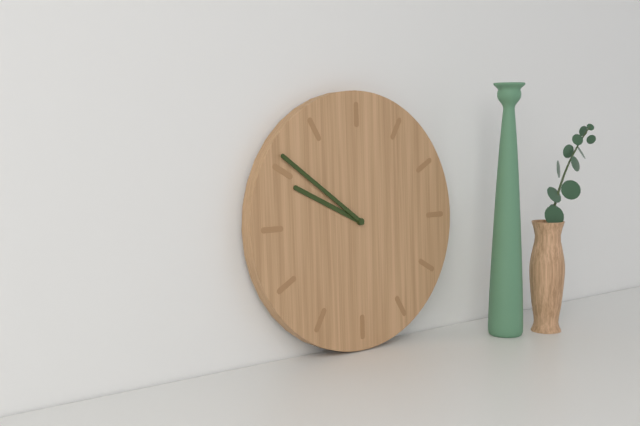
**9:51**
